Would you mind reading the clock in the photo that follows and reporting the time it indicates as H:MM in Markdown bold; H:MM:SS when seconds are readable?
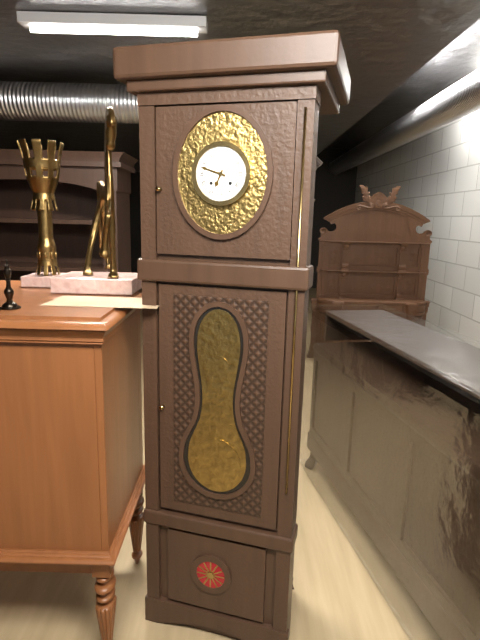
**6:48**
